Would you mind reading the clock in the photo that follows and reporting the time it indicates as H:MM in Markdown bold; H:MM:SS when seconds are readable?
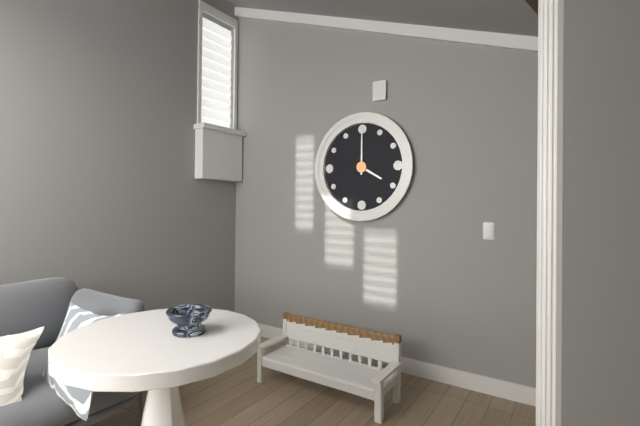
**4:00**
